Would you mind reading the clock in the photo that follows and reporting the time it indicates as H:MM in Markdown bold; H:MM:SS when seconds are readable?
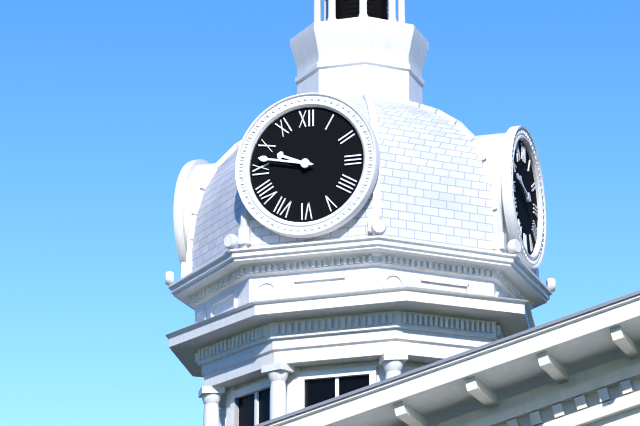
**9:47**
